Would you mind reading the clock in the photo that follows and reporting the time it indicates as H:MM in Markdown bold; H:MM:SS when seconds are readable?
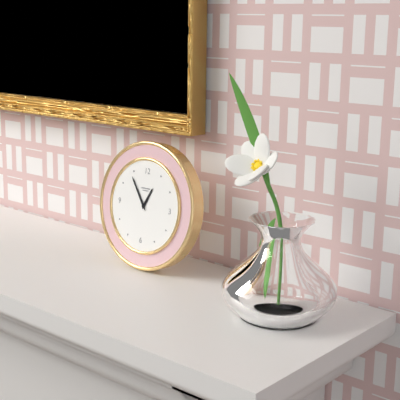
**12:54**
